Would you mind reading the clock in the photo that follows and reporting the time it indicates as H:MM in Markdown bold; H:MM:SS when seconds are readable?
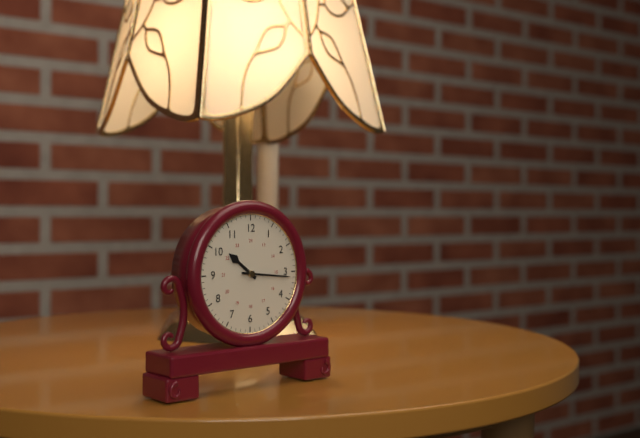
**10:16**
